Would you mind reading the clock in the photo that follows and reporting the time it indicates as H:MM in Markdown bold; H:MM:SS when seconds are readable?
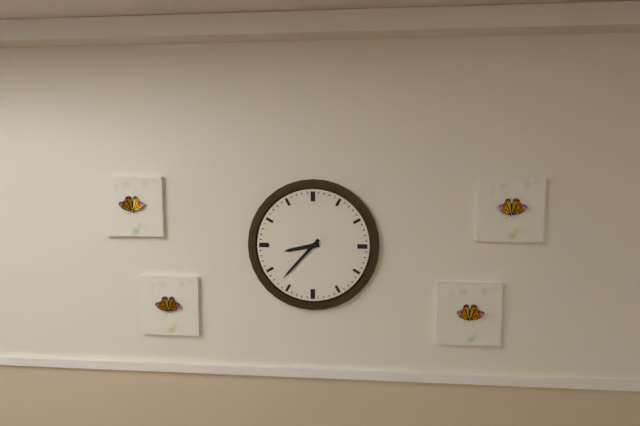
**8:37**
